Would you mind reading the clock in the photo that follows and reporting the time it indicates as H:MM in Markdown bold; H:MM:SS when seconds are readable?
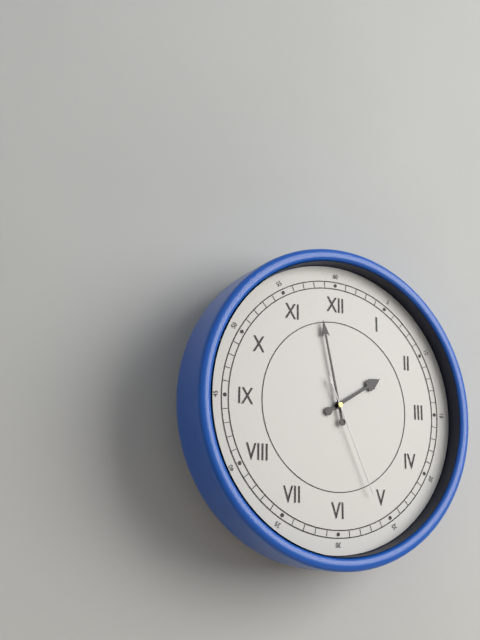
**1:58:26**
